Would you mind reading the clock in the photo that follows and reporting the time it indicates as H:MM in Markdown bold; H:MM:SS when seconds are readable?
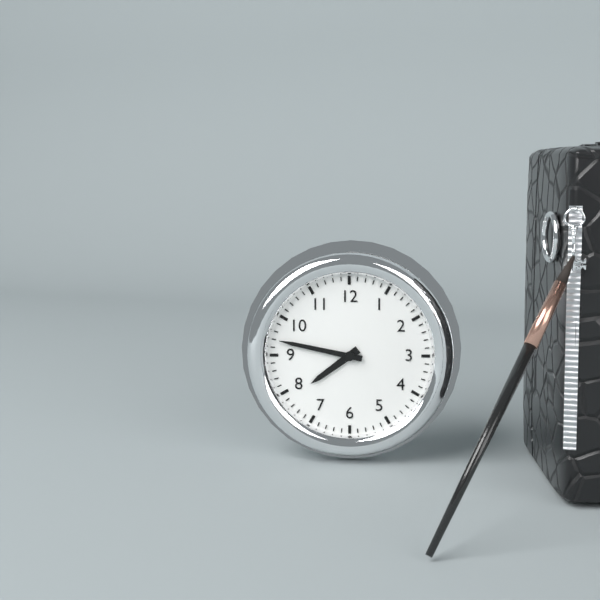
**7:47**
